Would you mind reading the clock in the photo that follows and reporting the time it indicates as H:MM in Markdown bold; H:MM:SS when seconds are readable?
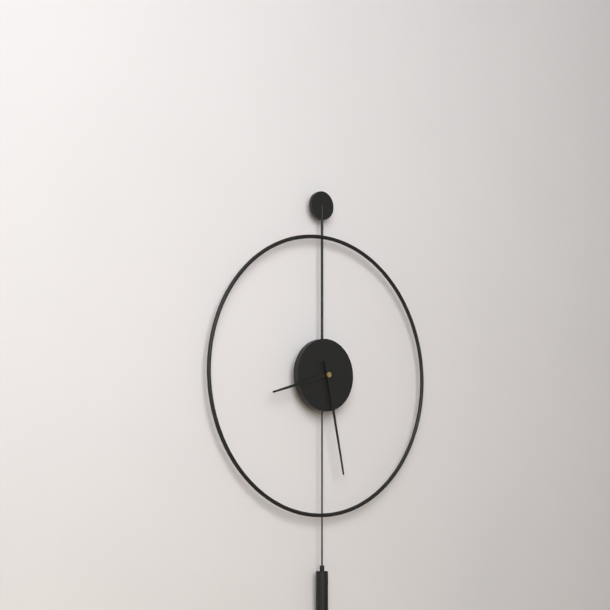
**8:28**
